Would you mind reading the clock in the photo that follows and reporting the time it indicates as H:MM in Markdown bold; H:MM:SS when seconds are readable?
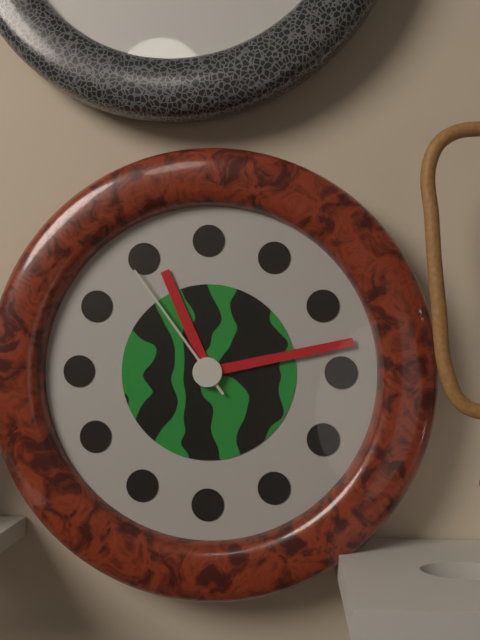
**11:13:54**
